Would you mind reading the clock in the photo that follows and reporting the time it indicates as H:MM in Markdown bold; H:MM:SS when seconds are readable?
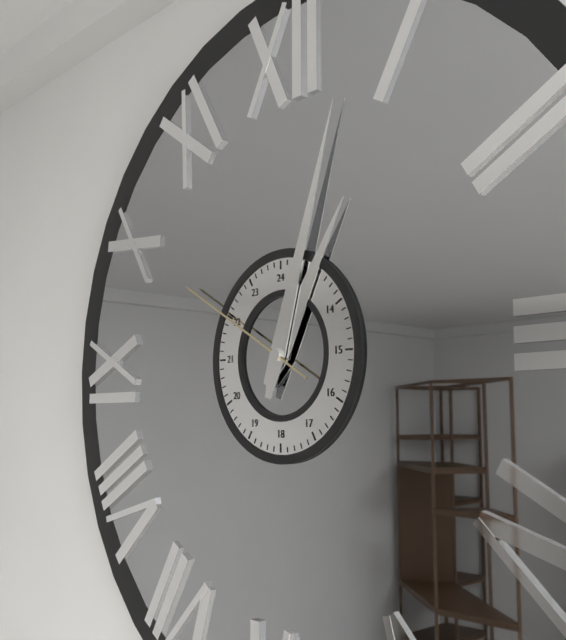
**1:03:50**
